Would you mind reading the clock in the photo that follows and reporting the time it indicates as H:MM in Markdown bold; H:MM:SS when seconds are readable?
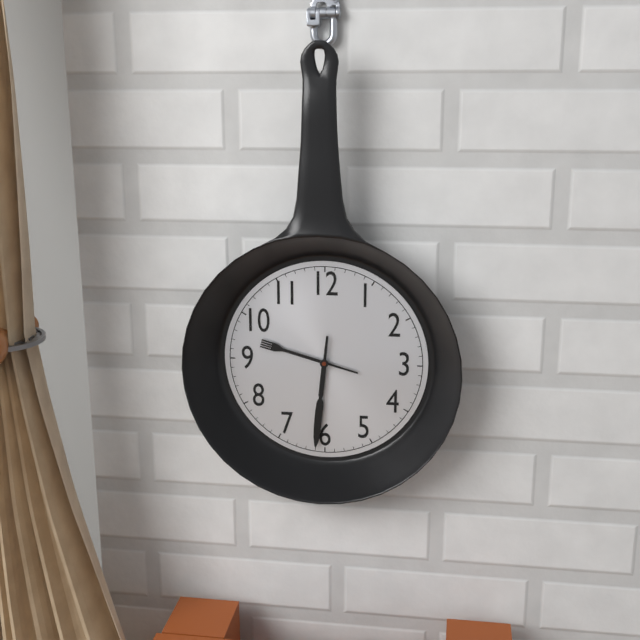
**9:31**
